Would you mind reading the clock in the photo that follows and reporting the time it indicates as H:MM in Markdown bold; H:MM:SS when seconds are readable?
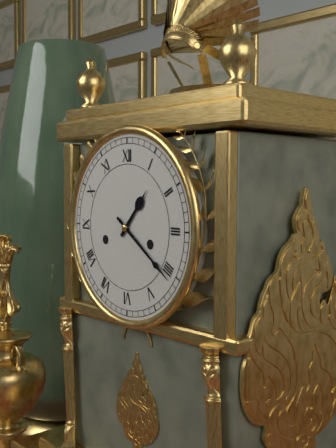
**1:21**
